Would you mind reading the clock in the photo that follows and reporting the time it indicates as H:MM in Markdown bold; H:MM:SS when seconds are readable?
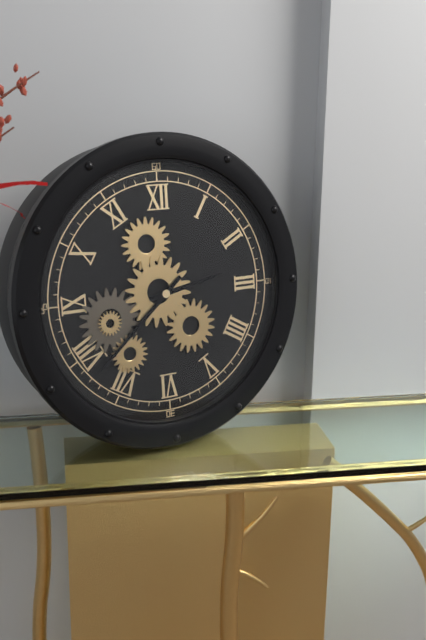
**2:38**
